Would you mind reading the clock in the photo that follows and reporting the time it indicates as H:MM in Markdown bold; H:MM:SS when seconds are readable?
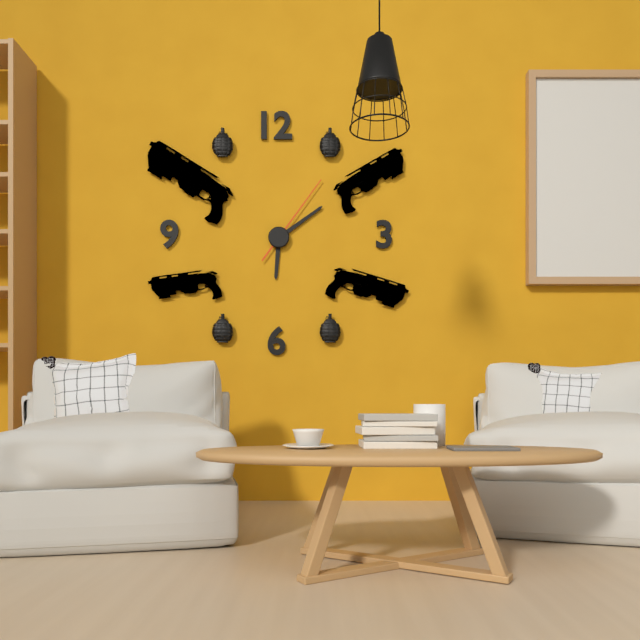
**6:09:06**
